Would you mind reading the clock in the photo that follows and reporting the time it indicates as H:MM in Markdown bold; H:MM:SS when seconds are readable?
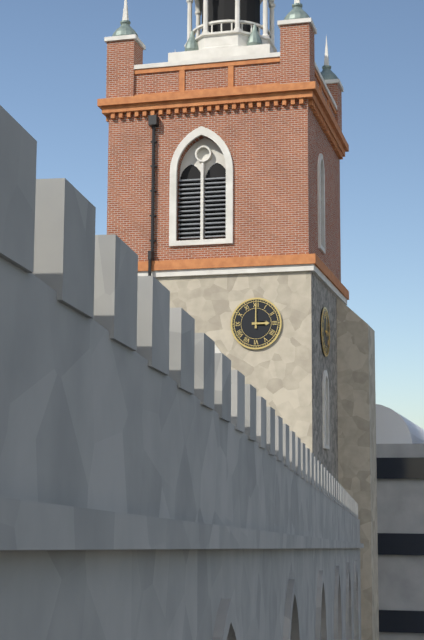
**3:00**
